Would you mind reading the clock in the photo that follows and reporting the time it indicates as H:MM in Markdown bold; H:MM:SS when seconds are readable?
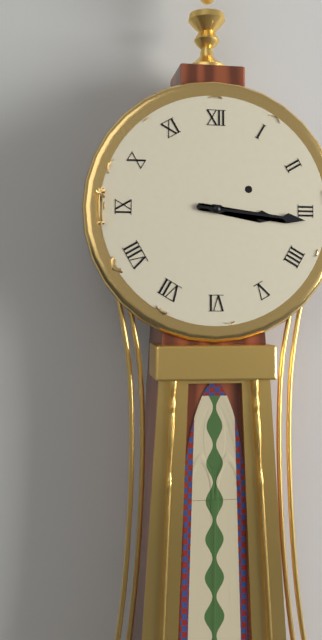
**3:16**
